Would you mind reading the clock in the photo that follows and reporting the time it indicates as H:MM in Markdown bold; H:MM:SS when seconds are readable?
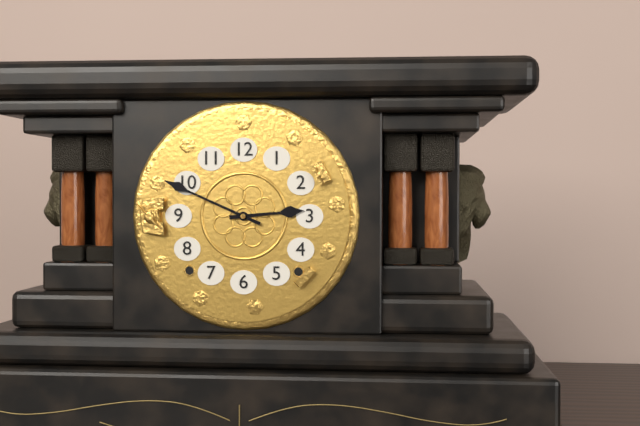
**2:49**
